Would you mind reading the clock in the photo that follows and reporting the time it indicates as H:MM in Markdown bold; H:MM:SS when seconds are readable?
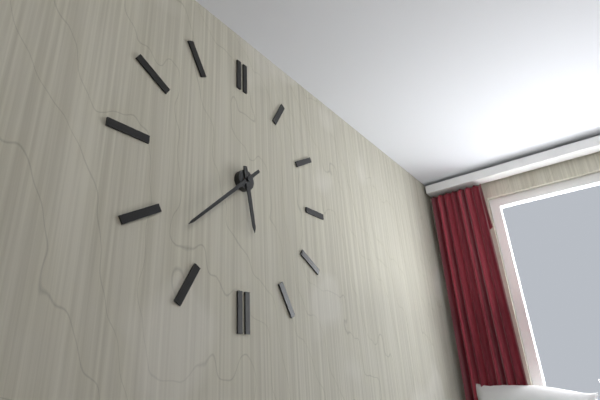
**5:38**
